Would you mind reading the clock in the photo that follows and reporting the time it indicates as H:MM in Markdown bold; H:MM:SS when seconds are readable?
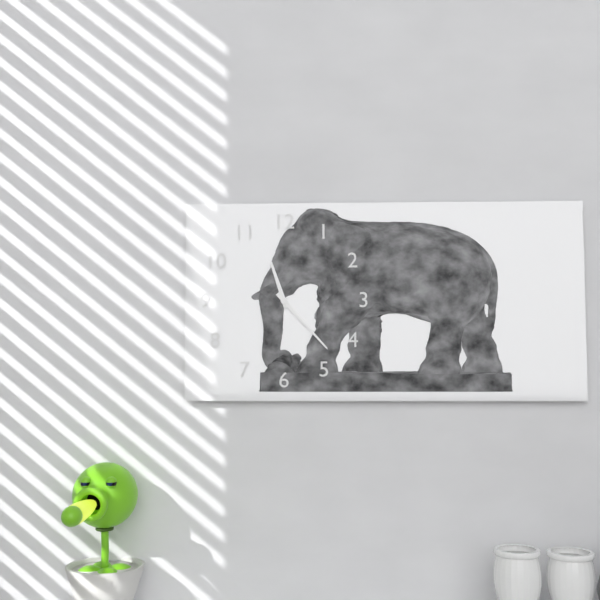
**11:23**
